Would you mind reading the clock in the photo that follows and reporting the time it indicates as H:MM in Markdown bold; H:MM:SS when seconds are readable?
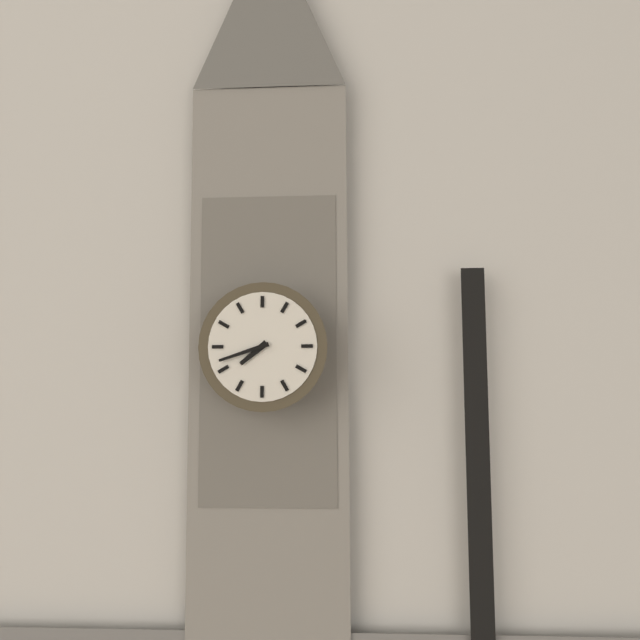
**7:42**
